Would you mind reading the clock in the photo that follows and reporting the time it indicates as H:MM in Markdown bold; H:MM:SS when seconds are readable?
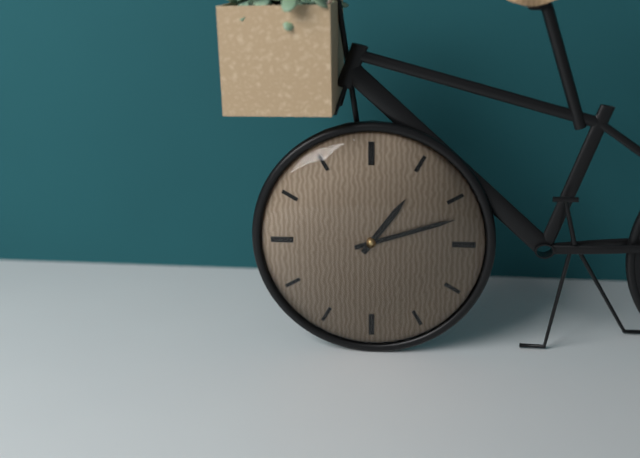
**1:12**
